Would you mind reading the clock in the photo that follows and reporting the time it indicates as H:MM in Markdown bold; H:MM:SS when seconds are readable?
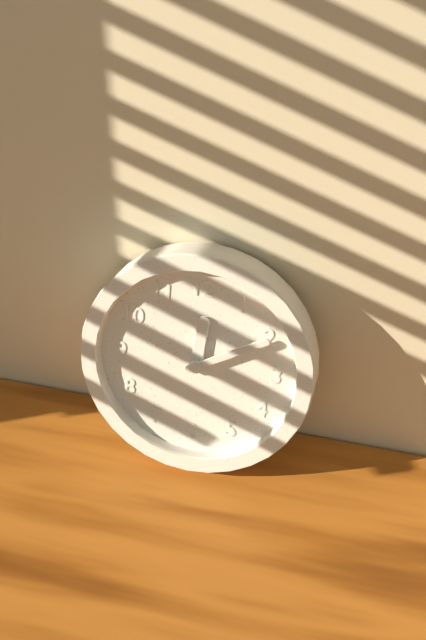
**12:10**
